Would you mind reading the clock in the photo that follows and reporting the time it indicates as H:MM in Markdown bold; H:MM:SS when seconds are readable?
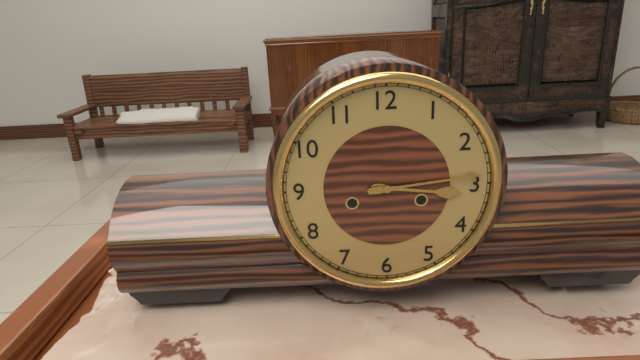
**3:14**
